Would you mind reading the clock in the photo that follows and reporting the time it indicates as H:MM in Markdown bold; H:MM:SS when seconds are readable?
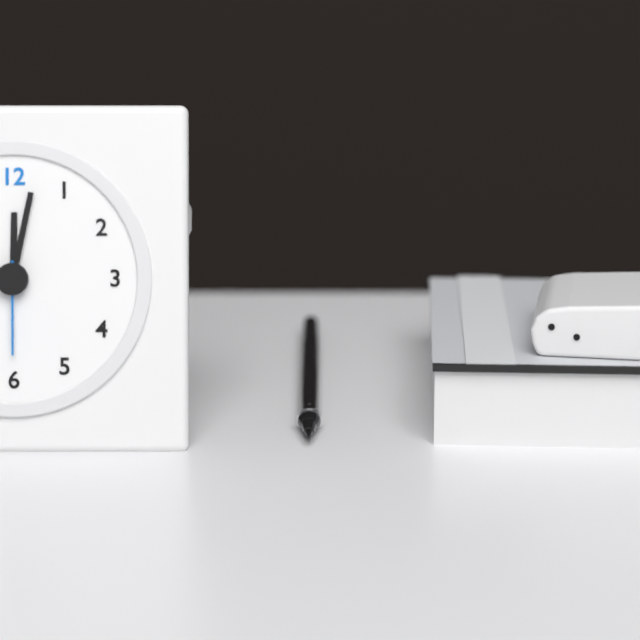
**12:02:30**
